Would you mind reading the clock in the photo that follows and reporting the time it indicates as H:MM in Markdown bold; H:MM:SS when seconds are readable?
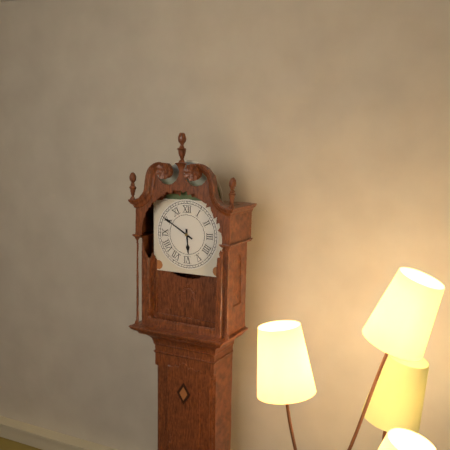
**5:50**
